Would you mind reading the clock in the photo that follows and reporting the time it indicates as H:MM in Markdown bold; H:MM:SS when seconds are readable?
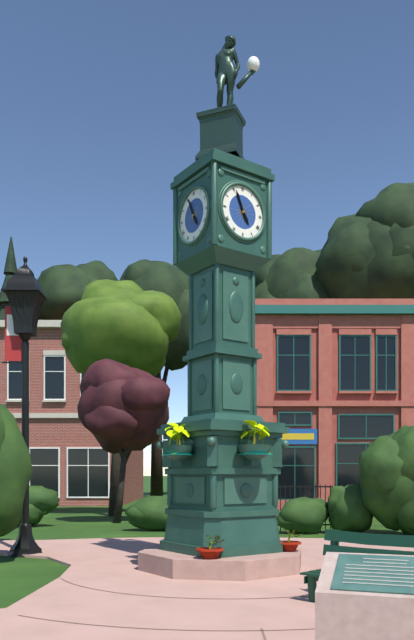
**4:56**
